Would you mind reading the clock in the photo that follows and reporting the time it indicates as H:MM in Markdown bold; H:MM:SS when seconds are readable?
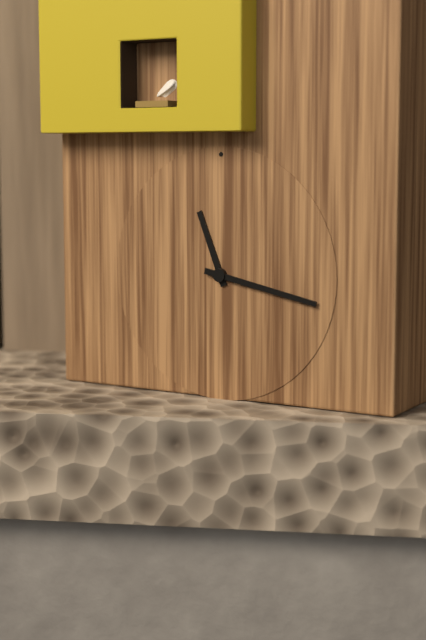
**11:17**
